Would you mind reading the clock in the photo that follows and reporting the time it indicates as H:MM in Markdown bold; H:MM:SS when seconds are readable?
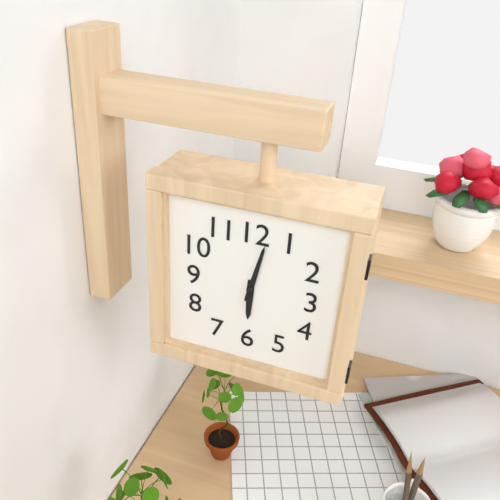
**6:02**
